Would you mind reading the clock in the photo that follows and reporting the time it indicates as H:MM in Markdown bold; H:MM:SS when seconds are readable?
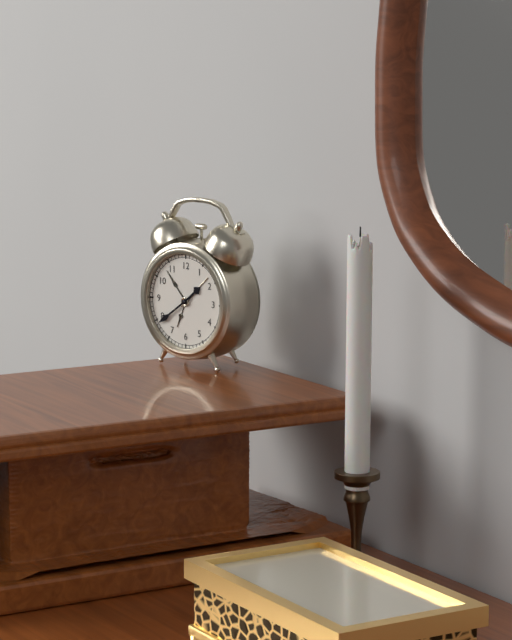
**1:39**
